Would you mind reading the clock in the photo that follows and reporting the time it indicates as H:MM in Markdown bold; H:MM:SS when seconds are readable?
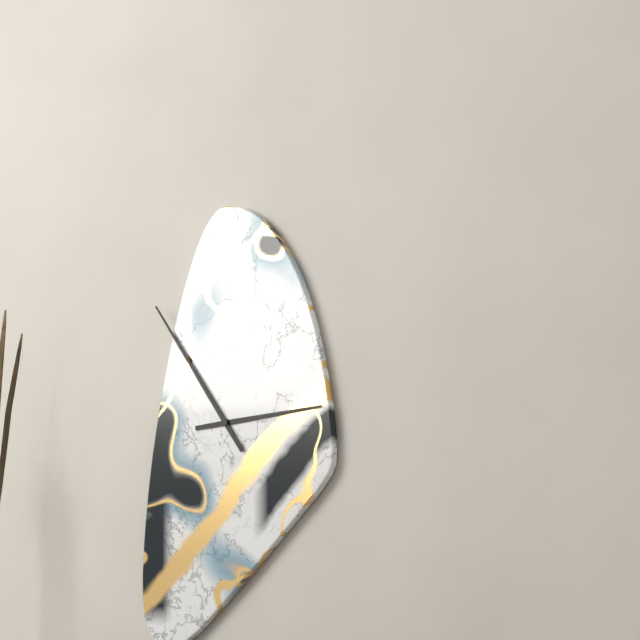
**2:54**
